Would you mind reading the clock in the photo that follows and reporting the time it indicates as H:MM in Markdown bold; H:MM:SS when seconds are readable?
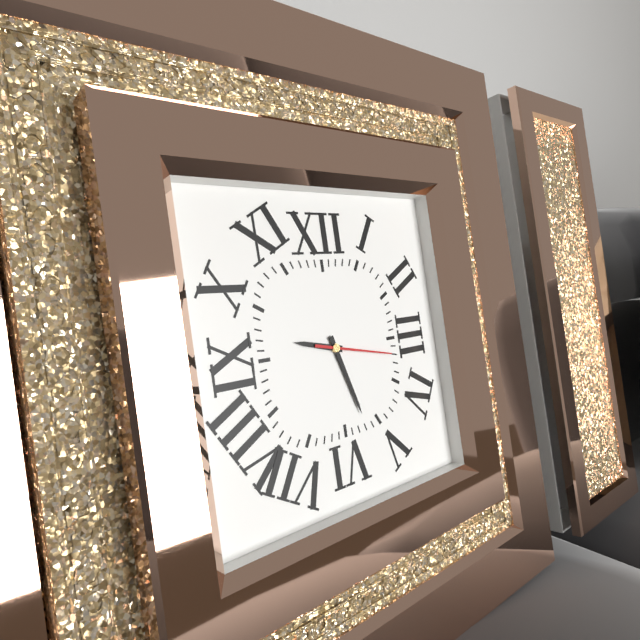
**9:27:17**
